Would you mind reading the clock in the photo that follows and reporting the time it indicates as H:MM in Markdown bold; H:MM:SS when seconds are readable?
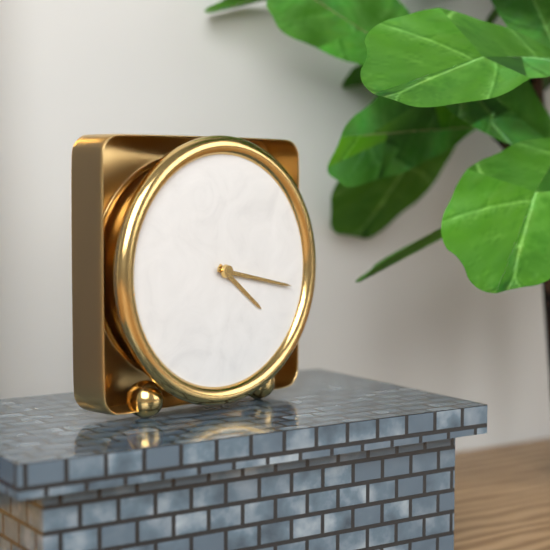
**4:17**
